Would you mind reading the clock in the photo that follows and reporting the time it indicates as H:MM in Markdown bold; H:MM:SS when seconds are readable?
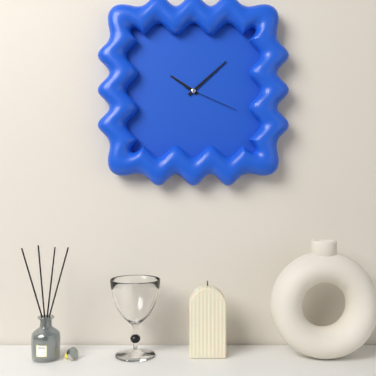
**10:08:19**
